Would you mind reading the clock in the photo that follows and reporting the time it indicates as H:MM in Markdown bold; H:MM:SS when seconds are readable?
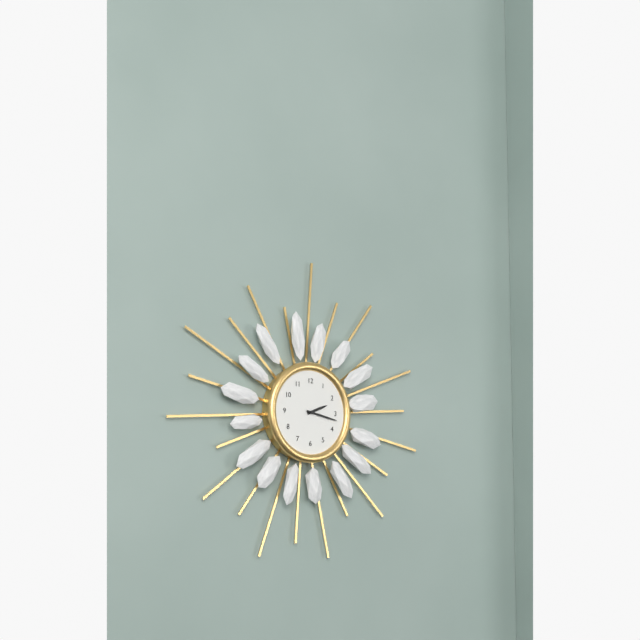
**2:17**
